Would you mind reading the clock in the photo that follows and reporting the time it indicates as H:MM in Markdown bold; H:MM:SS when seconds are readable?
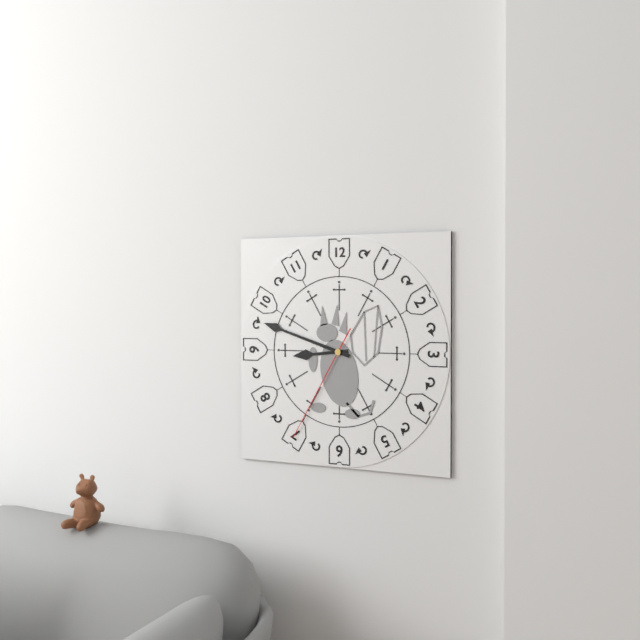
**8:48:35**
